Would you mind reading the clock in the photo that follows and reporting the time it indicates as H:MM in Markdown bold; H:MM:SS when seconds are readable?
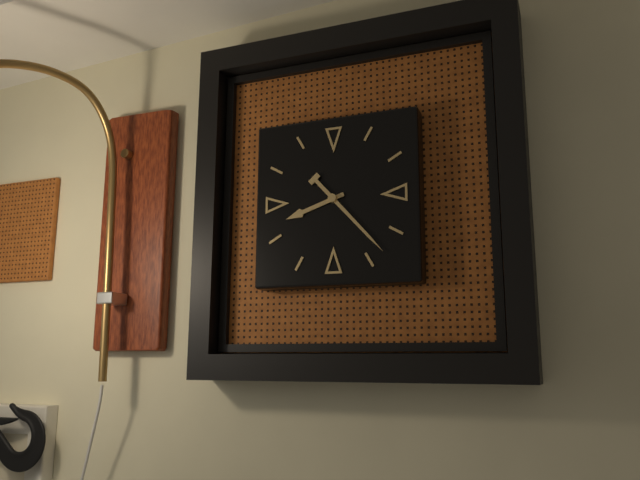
**8:23**
